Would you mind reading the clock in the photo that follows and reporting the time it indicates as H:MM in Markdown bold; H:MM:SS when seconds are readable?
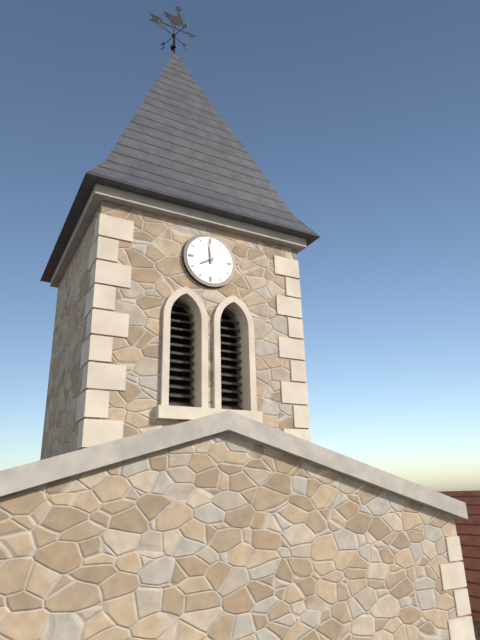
**7:59**
